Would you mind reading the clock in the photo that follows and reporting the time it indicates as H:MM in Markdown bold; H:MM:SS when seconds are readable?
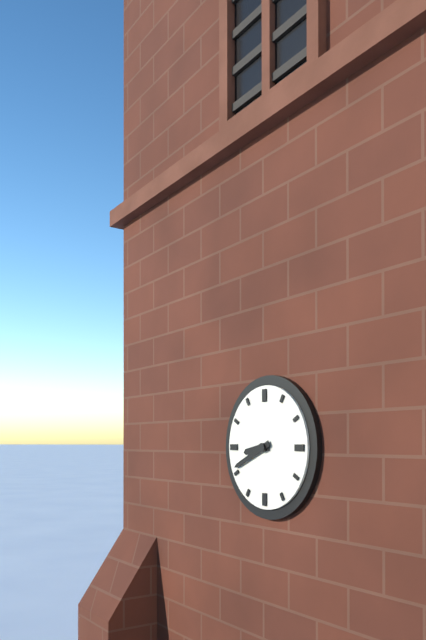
**8:41**
